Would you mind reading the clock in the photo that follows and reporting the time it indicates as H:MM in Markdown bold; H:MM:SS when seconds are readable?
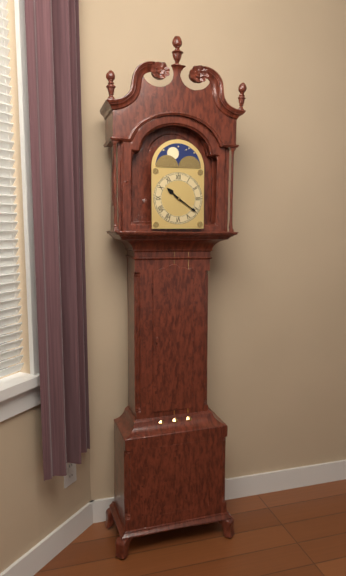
**10:21**
